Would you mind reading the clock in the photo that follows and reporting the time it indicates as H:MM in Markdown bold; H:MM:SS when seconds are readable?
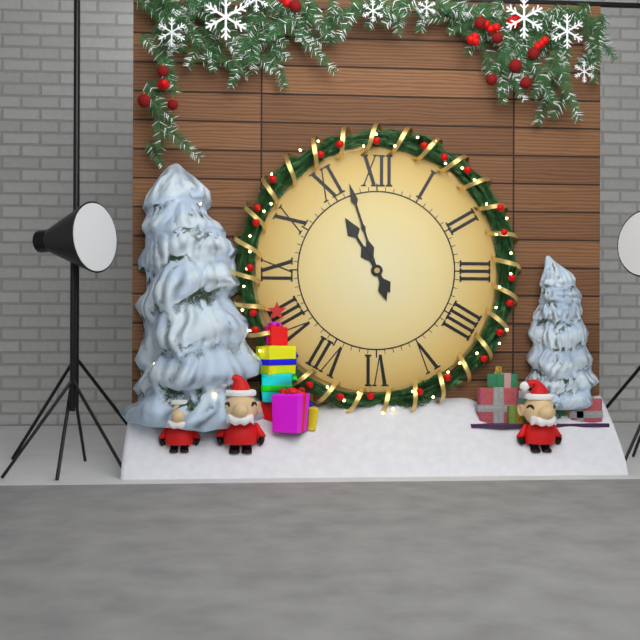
**10:57**
